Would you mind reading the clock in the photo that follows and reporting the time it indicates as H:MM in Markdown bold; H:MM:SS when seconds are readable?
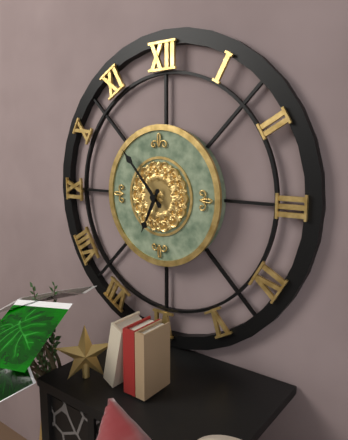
**6:53**
